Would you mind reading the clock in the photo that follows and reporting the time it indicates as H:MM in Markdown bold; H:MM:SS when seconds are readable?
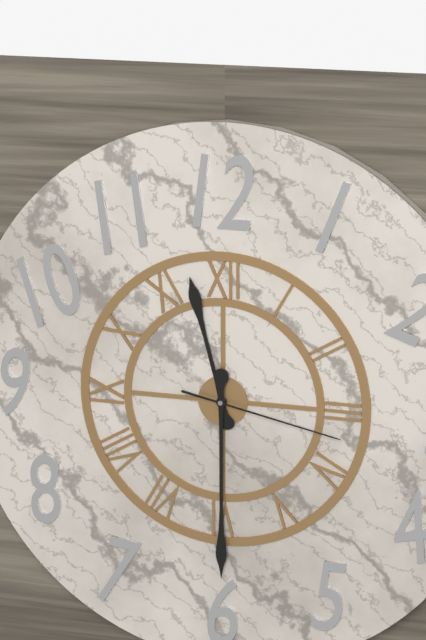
**11:30:17**
